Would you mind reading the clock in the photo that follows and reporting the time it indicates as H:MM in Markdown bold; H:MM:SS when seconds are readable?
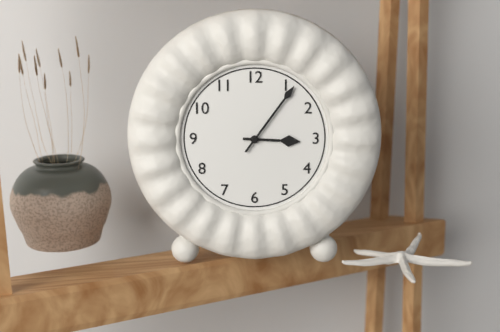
**3:06**
